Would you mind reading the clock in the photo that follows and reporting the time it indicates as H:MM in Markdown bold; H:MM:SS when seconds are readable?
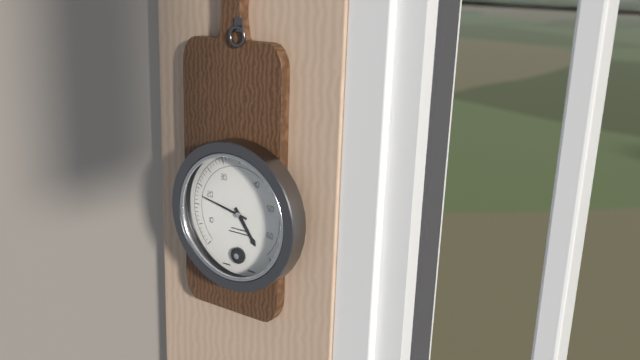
**4:47**
